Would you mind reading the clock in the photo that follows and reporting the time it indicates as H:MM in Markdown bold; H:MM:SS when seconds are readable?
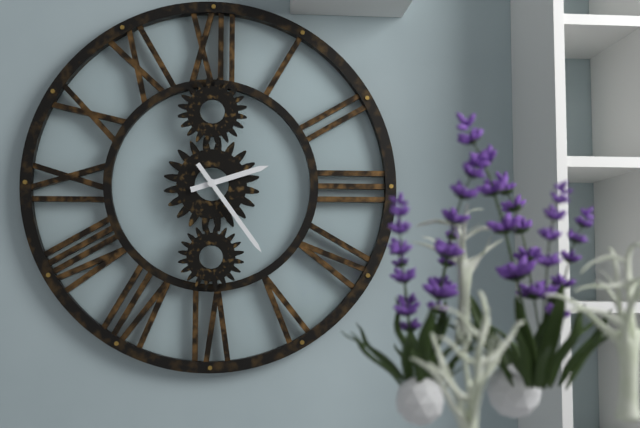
**2:24**
